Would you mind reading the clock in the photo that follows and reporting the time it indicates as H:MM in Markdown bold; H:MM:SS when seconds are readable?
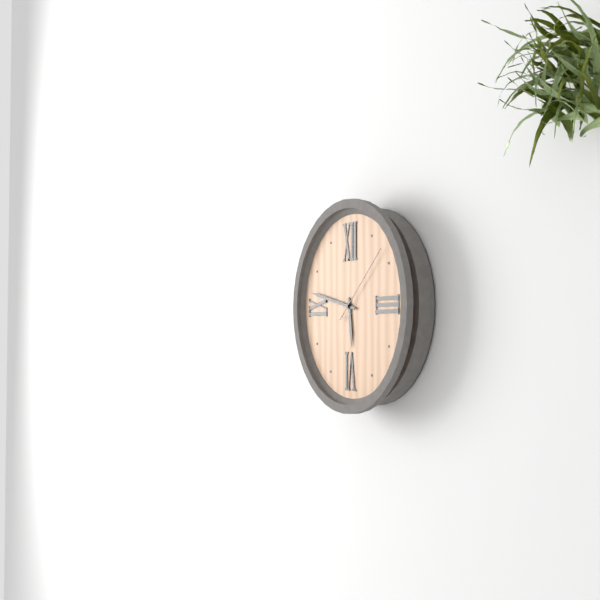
**5:47:08**
